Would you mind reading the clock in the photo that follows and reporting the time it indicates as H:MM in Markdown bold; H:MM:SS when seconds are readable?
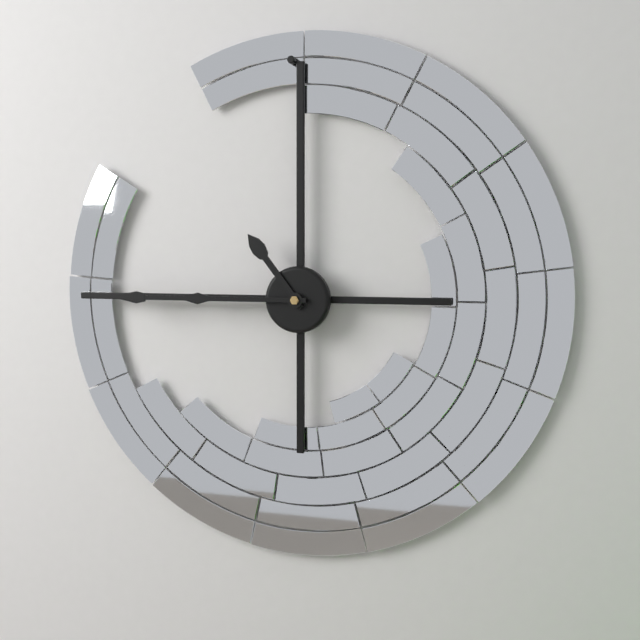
**10:45**
